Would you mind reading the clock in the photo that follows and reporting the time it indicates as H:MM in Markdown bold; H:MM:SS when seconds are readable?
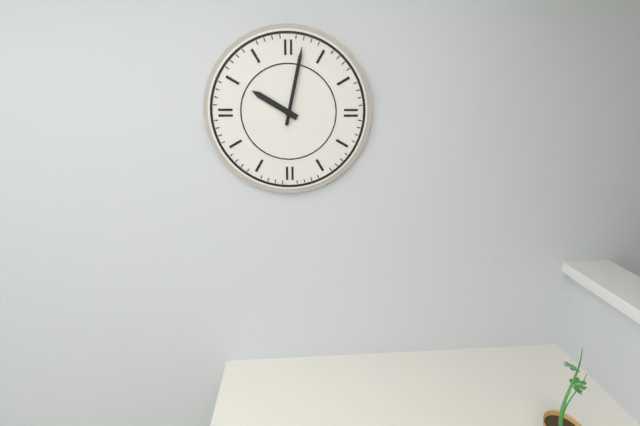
**10:02**
